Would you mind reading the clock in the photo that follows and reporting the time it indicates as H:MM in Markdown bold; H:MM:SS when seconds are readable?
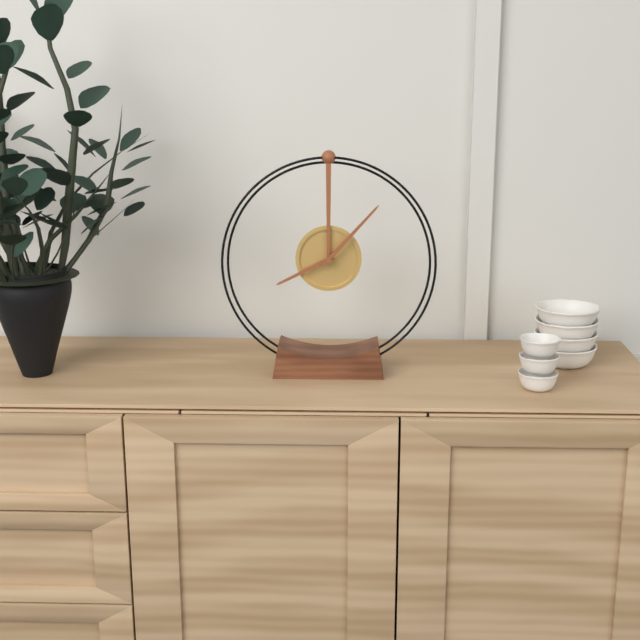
**8:07**
